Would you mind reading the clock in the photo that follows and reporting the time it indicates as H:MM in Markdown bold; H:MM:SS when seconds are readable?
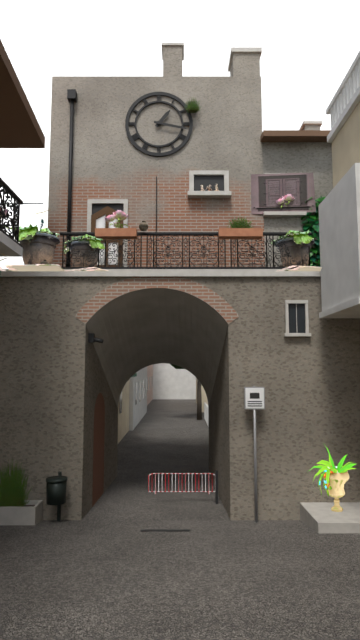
**1:17**
